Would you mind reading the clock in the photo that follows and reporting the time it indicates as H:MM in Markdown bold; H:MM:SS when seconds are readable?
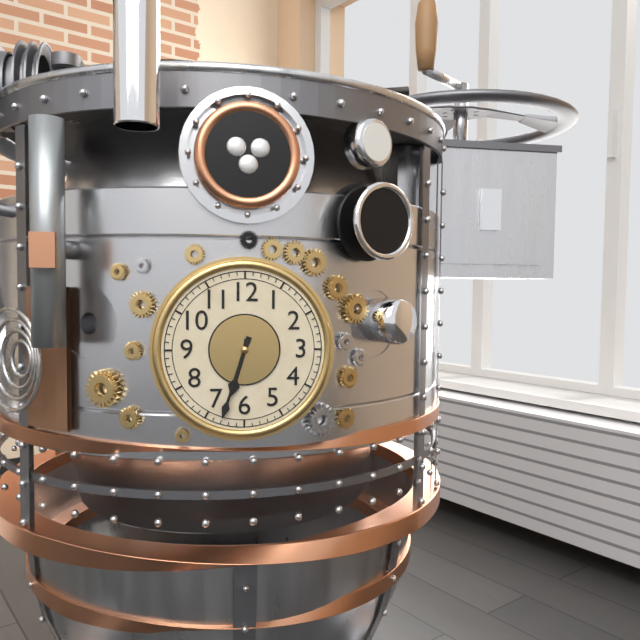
**6:33**
